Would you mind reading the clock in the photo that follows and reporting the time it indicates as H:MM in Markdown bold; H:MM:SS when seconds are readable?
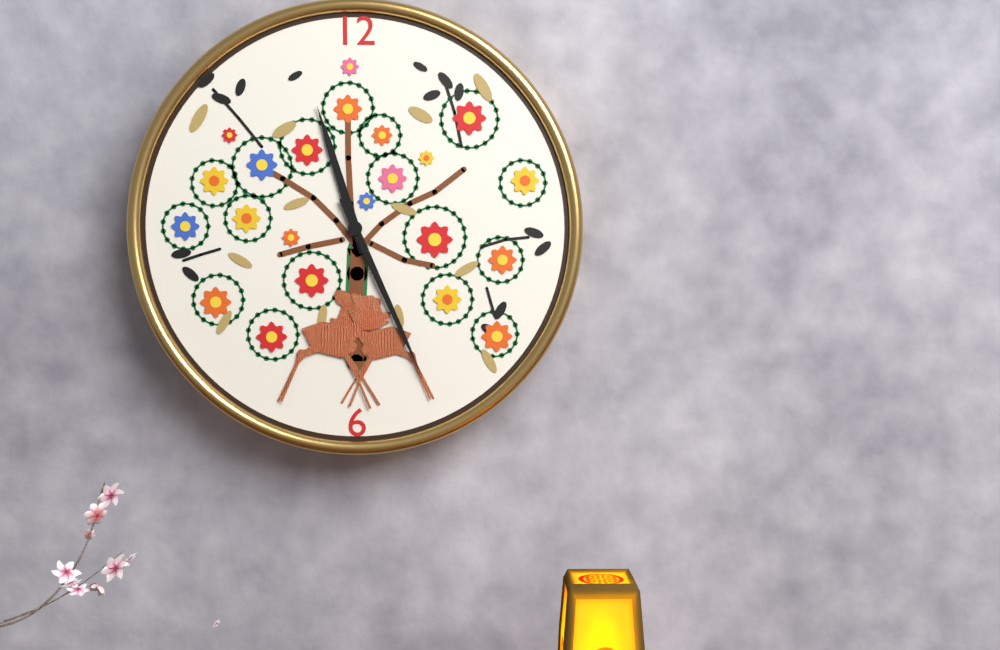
**11:26**
